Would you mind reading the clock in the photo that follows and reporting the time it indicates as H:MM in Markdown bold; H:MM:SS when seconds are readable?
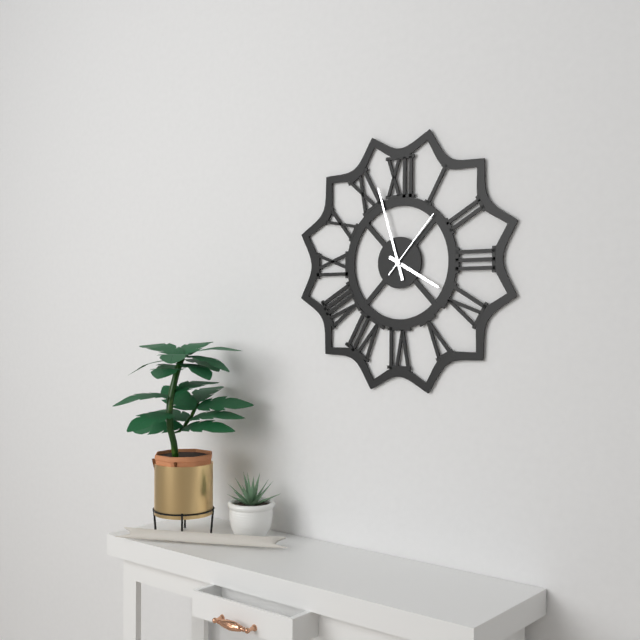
**3:57:07**
